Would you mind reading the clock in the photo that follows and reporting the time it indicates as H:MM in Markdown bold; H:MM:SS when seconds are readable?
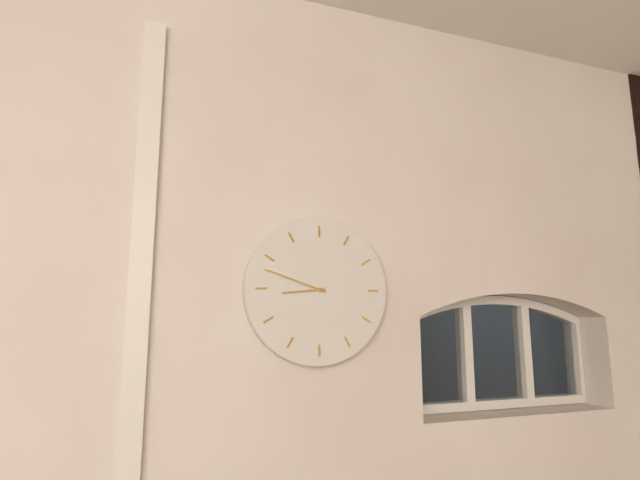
**8:48**
